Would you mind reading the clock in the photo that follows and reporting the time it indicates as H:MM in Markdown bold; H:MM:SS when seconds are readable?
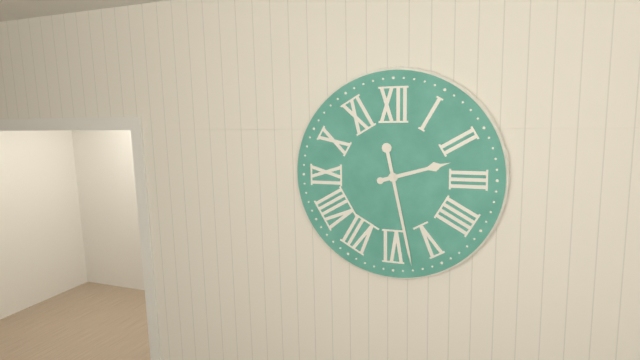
**2:28**
